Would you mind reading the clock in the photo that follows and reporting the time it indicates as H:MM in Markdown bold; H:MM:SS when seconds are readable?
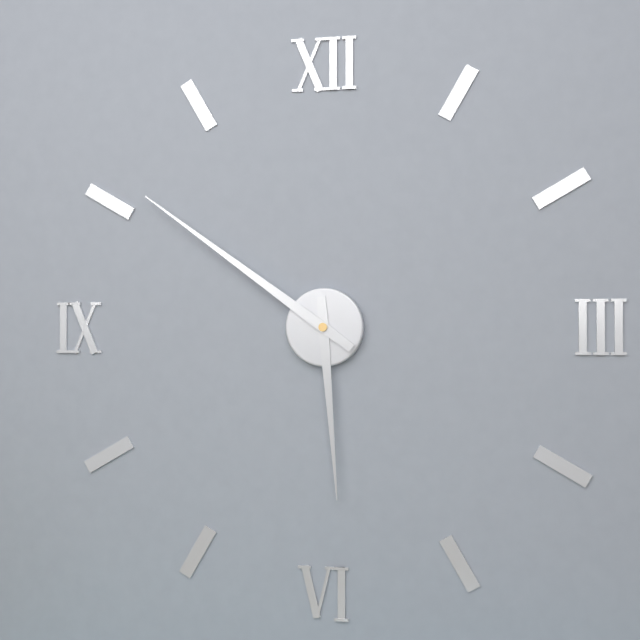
**5:51**
